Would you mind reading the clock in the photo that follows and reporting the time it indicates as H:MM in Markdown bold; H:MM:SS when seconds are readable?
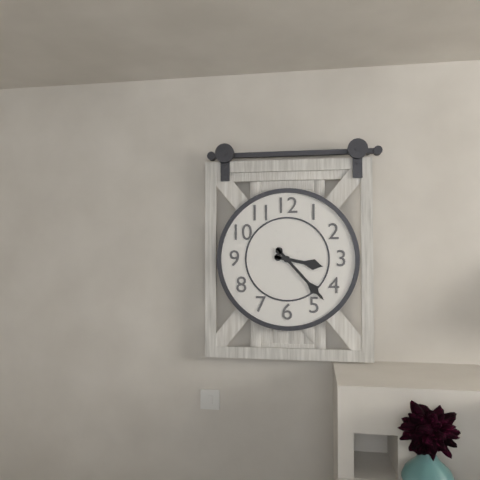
**3:23**
